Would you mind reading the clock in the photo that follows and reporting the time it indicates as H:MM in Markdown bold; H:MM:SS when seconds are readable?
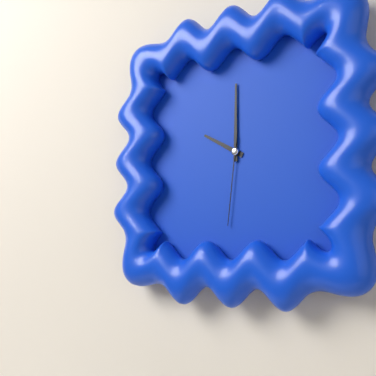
**10:00:31**
